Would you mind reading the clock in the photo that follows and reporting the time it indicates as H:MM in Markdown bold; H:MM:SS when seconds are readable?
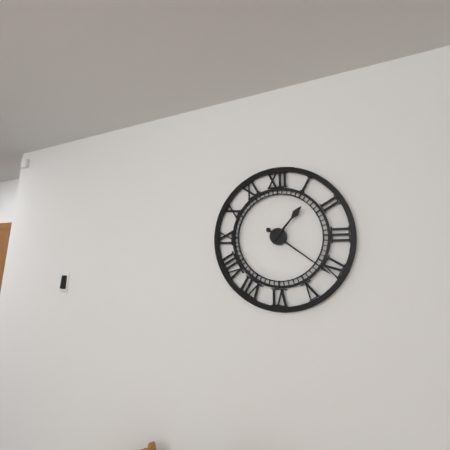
**1:21**
